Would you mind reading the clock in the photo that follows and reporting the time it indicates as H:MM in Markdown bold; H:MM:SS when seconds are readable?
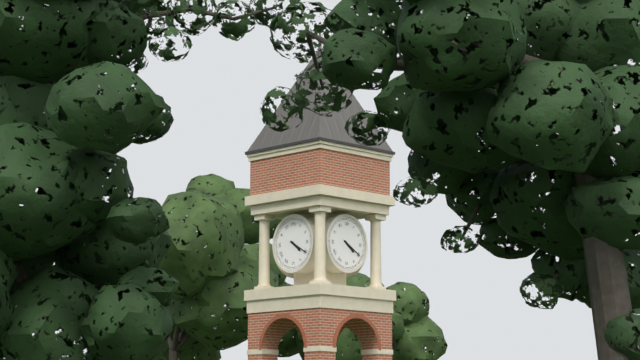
**4:20**
